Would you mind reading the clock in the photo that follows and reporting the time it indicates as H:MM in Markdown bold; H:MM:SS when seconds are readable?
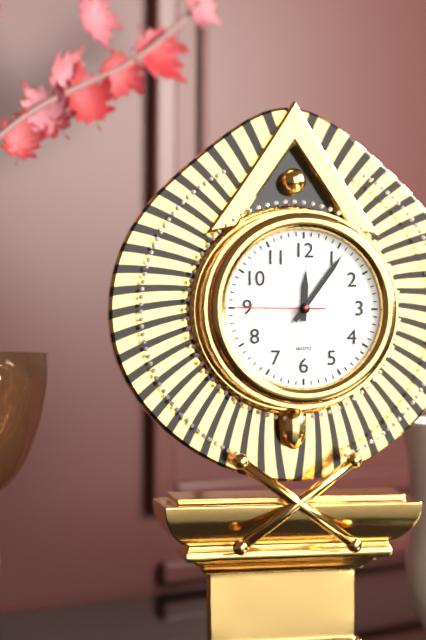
**12:06:45**
